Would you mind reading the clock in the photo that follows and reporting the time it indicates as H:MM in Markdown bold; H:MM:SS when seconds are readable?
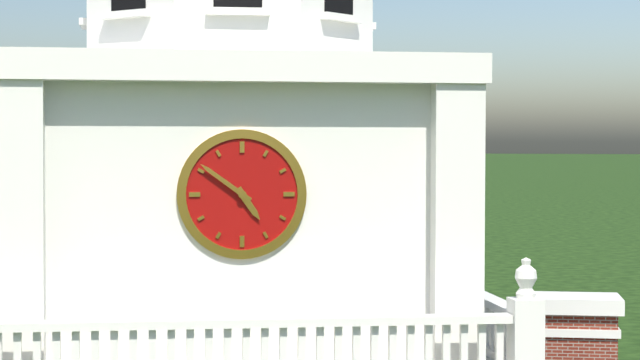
**4:51**
